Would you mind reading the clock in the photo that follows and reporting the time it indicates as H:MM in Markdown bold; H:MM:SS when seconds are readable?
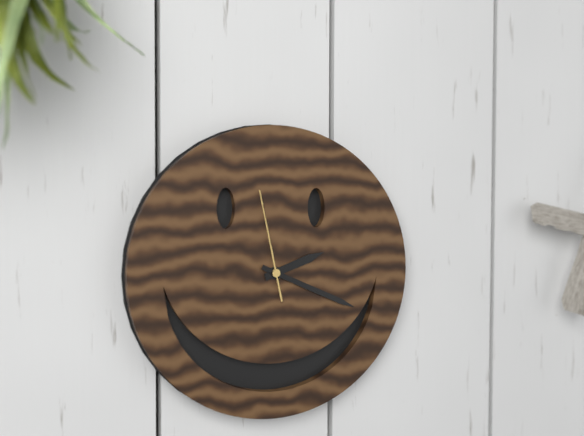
**2:19:58**
